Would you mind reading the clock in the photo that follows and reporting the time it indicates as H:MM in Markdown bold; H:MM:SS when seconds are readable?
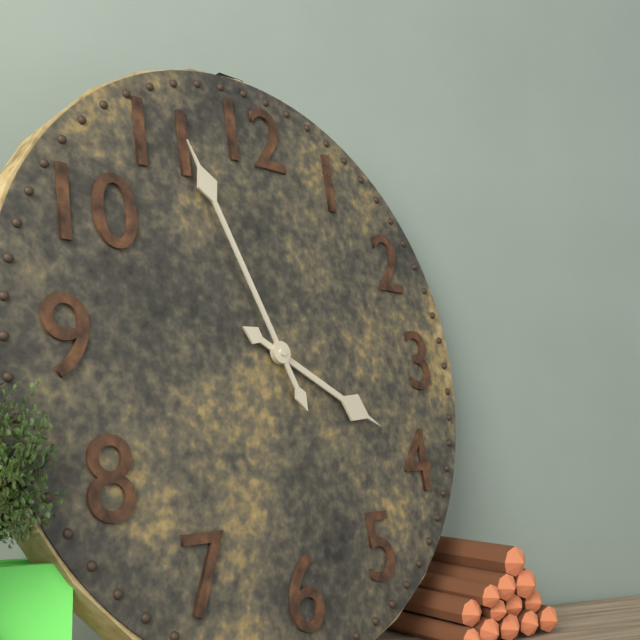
**3:56**
